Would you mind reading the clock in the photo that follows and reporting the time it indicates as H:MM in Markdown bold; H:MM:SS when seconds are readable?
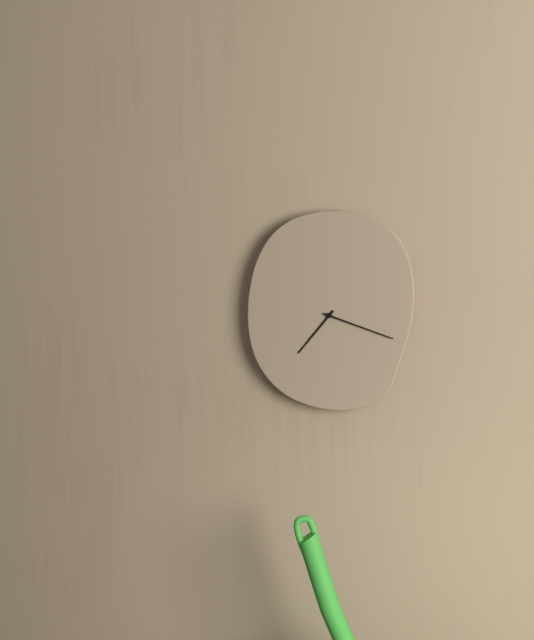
**7:18**
